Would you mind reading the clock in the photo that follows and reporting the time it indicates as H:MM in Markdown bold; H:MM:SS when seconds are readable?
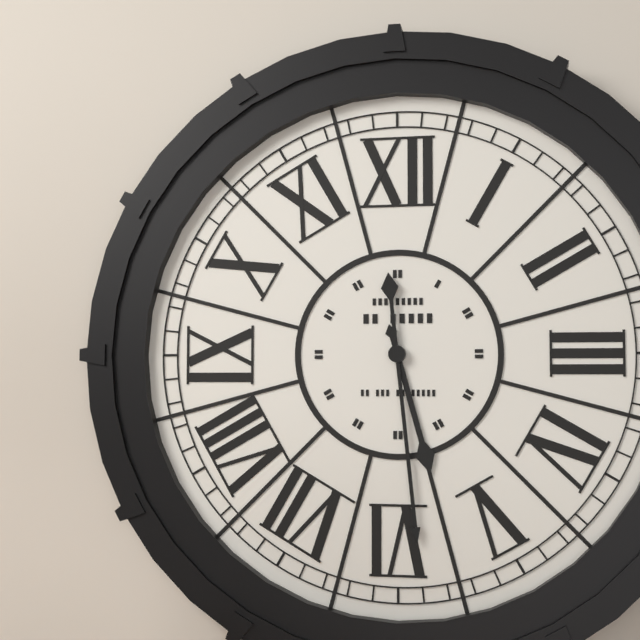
**5:29**
